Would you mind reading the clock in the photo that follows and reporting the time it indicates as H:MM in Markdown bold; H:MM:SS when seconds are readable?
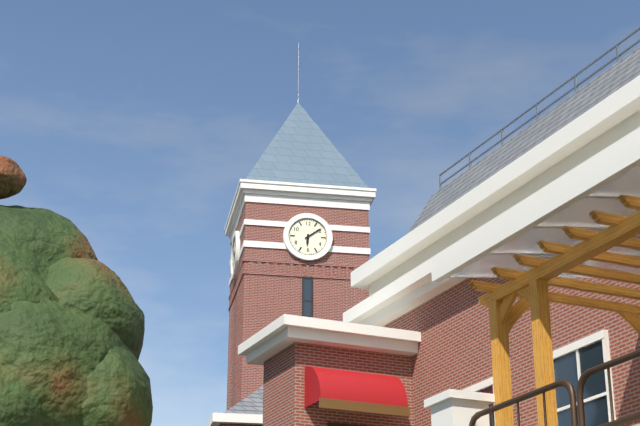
**6:09**
